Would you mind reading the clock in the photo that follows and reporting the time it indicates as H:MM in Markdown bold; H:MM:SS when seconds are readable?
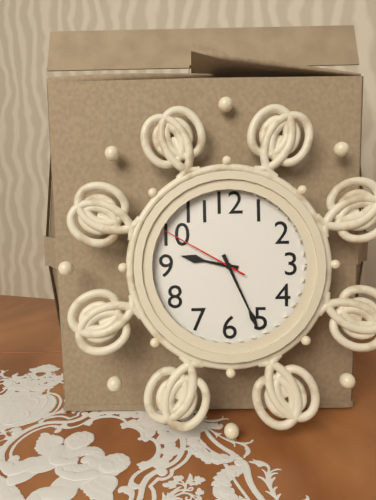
**9:26:50**
